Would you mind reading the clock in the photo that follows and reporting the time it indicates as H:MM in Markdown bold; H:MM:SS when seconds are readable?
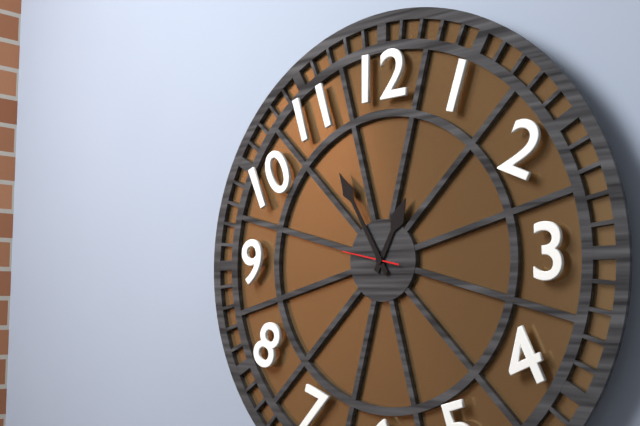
**12:55:47**
